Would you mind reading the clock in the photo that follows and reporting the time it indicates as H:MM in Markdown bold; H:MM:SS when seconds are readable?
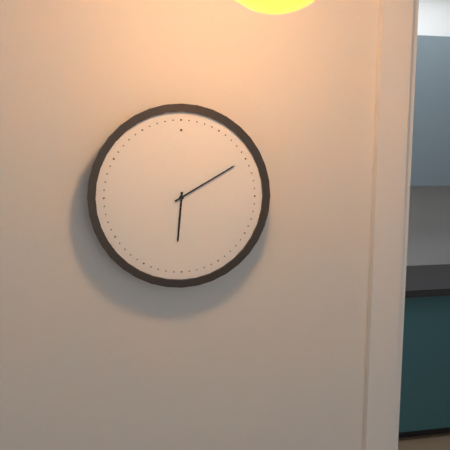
**6:10**
